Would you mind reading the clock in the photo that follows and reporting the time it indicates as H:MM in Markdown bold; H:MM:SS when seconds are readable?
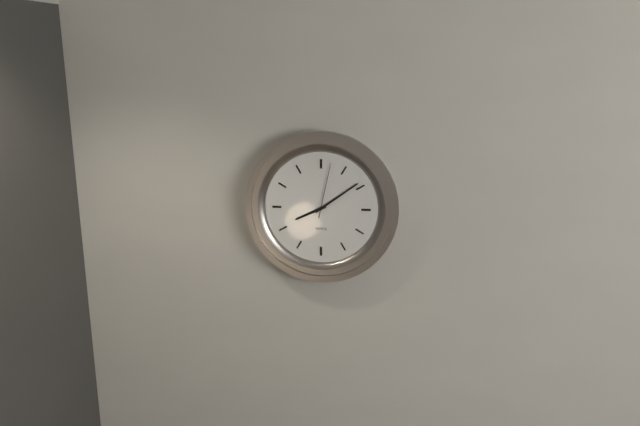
**8:09:02**
